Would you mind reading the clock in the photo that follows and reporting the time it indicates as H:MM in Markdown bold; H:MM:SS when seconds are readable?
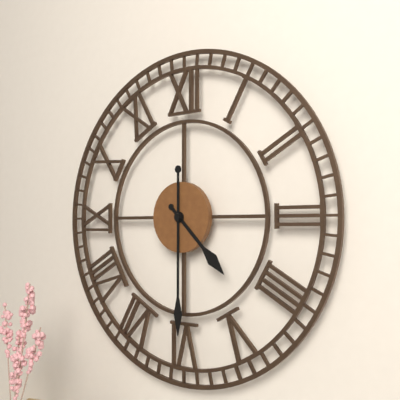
**4:30**
